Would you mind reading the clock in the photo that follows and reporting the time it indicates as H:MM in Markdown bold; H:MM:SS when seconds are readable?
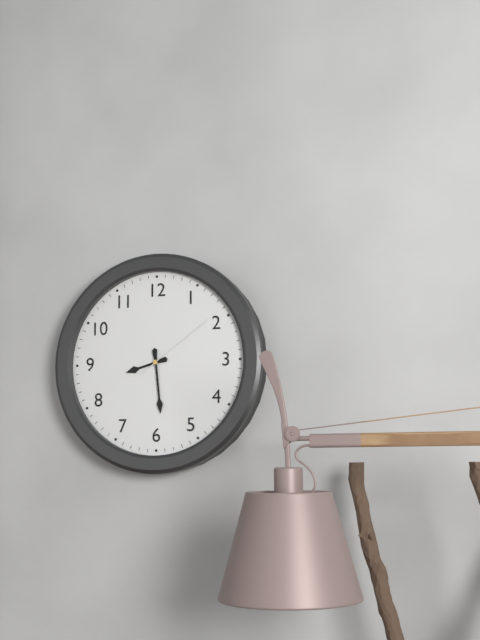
**8:29:09**
